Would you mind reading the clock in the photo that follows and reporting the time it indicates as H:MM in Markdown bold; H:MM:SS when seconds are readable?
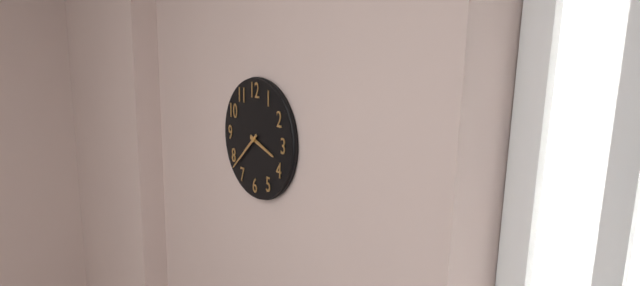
**3:38**
